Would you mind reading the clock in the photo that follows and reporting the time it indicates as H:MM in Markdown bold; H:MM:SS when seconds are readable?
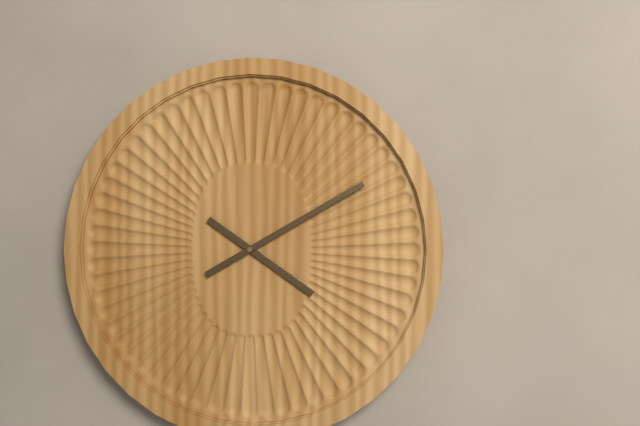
**4:10**
